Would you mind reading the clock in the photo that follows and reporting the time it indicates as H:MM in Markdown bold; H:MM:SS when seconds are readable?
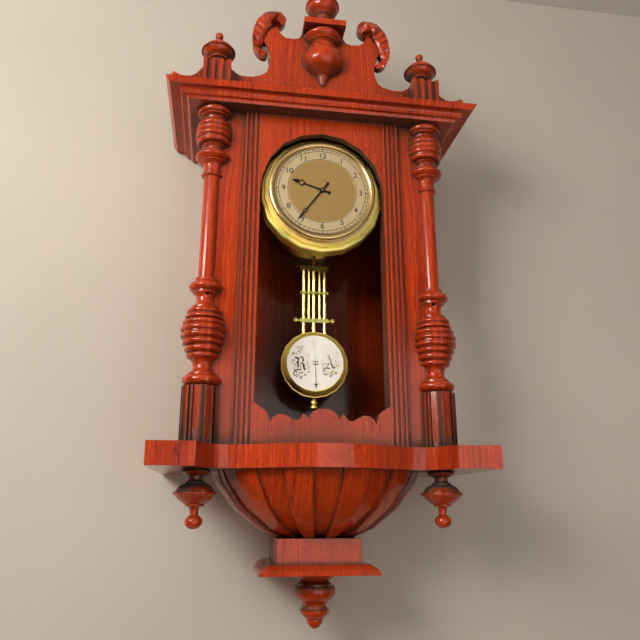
**9:36**
